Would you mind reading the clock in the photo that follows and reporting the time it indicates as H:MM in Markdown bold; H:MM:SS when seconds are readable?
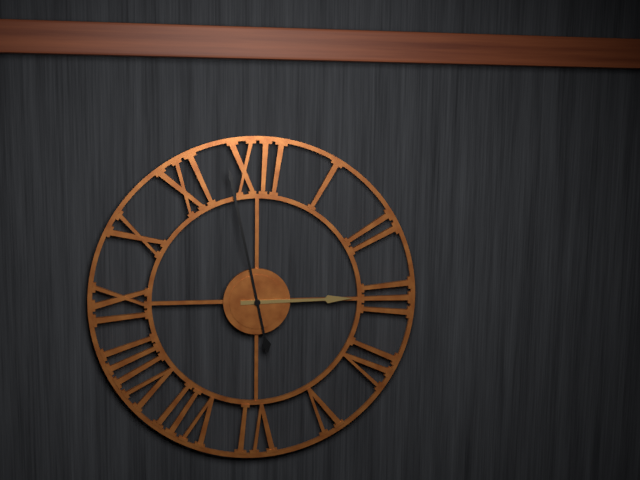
**2:58**
